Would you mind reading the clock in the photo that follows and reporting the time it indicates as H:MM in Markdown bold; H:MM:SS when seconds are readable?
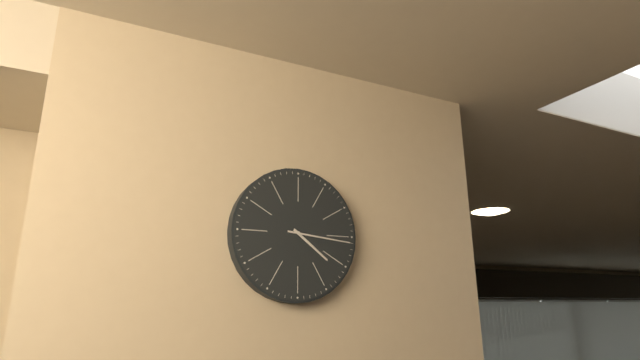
**4:16**
